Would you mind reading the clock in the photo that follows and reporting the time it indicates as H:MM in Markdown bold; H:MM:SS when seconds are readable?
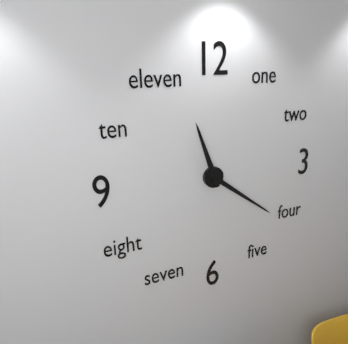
**11:21**
